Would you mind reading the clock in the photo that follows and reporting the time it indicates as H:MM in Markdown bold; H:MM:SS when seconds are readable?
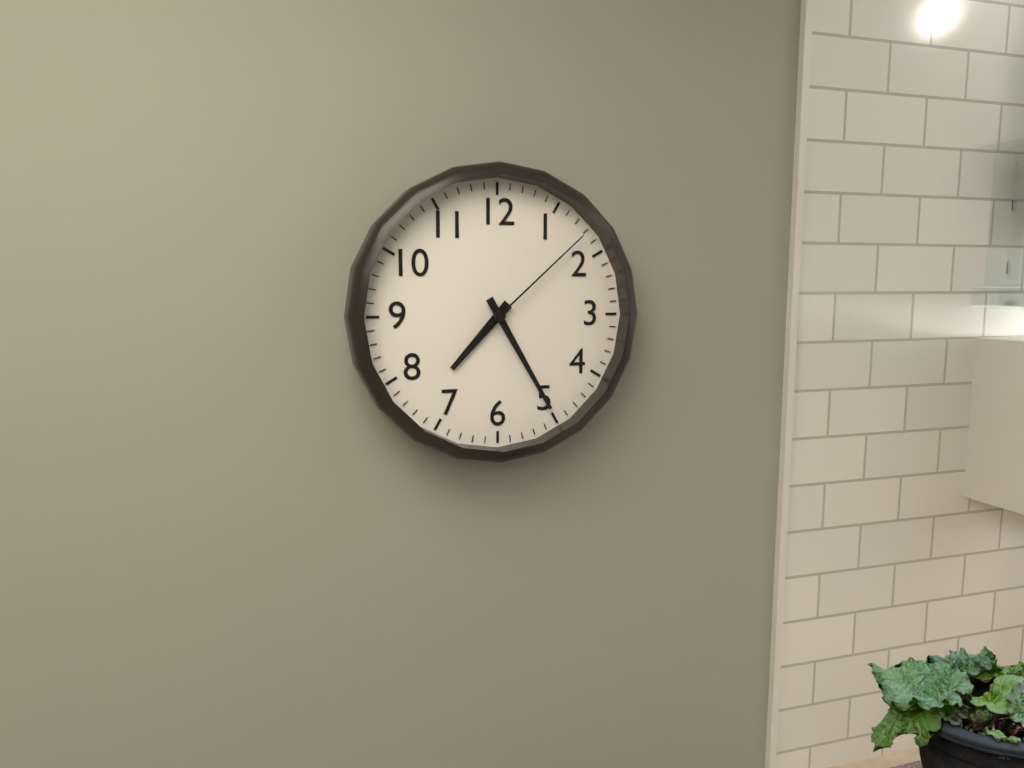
**7:25:08**
